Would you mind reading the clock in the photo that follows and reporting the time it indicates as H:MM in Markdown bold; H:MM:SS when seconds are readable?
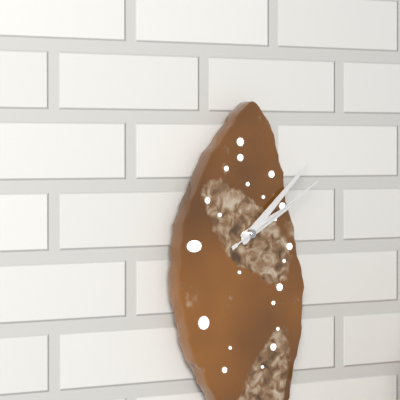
**2:08:10**
